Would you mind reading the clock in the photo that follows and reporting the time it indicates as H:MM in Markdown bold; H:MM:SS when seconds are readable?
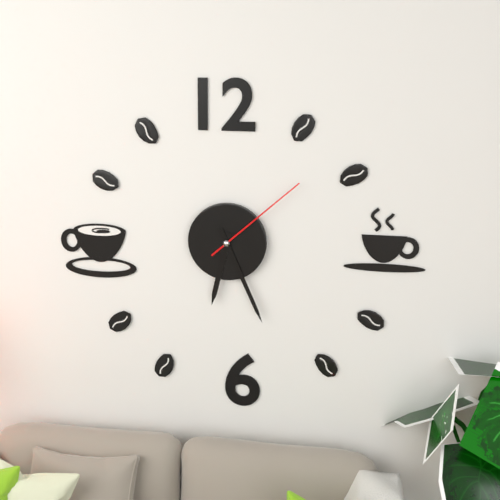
**6:26:08**
